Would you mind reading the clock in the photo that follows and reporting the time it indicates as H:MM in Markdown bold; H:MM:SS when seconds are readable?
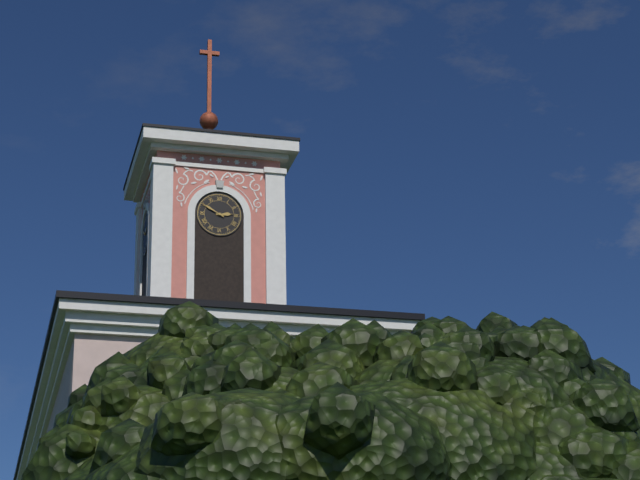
**2:50**
